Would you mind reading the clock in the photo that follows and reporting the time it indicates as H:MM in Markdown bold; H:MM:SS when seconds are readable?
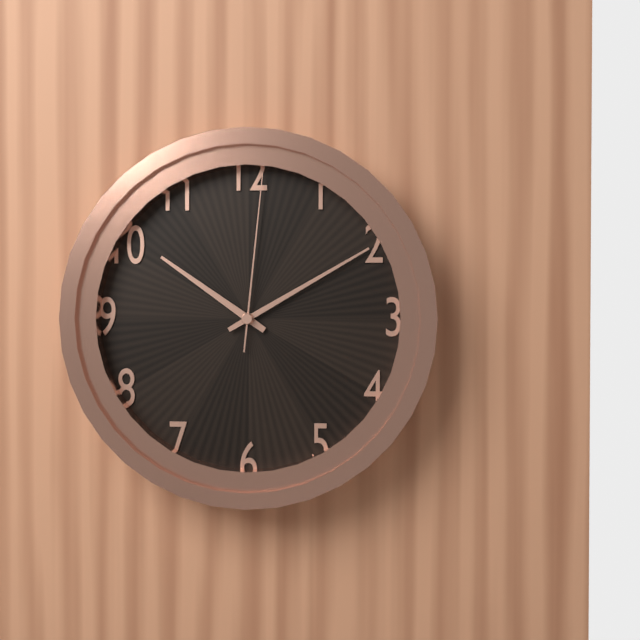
**10:10:01**
